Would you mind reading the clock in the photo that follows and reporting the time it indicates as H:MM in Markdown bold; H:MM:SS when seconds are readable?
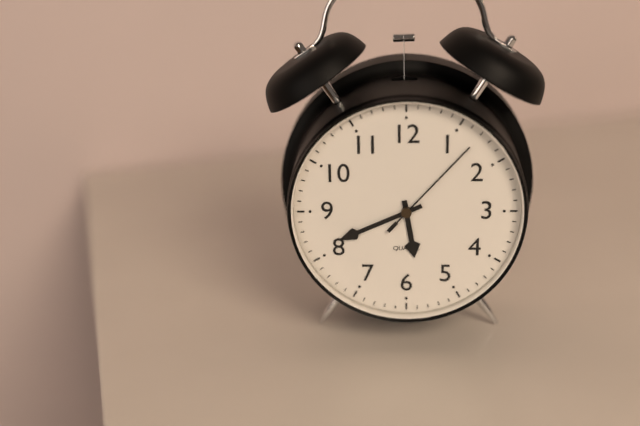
**5:41:07**
